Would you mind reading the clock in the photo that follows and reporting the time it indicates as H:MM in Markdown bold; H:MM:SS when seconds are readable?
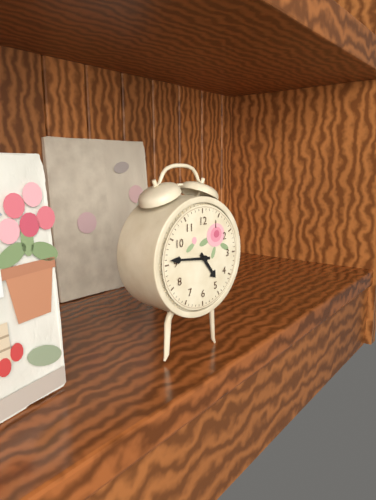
**4:46**
